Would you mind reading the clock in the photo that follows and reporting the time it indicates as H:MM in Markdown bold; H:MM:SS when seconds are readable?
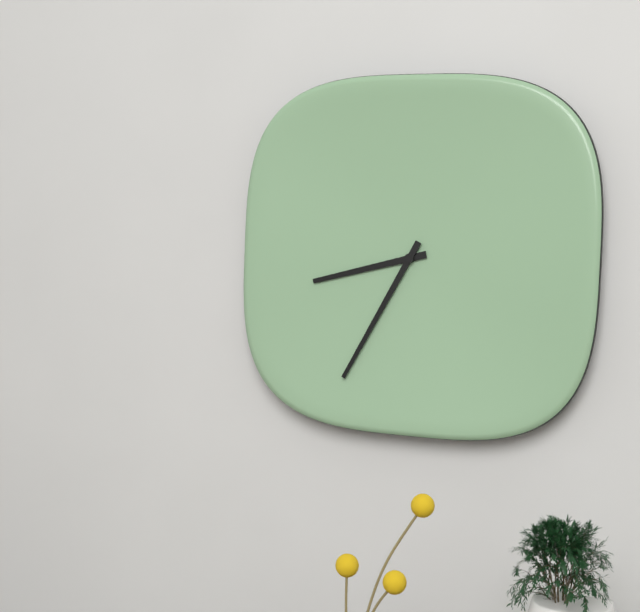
**8:35**
